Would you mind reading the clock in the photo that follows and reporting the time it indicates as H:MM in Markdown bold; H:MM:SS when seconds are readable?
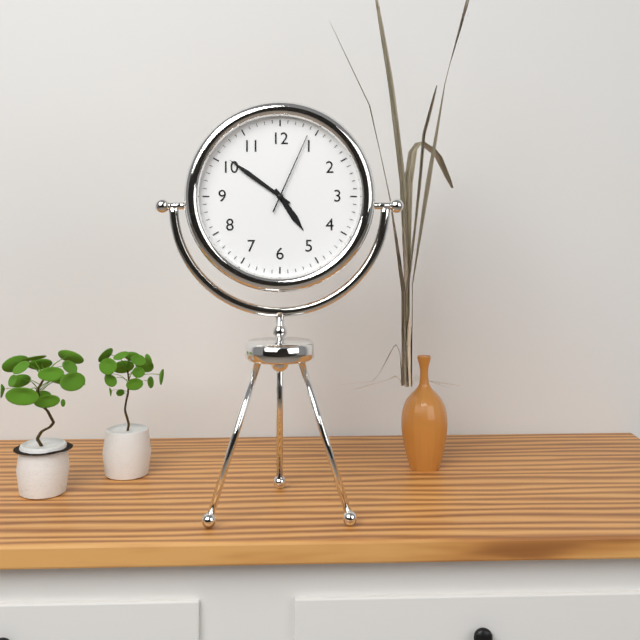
**4:51:04**
